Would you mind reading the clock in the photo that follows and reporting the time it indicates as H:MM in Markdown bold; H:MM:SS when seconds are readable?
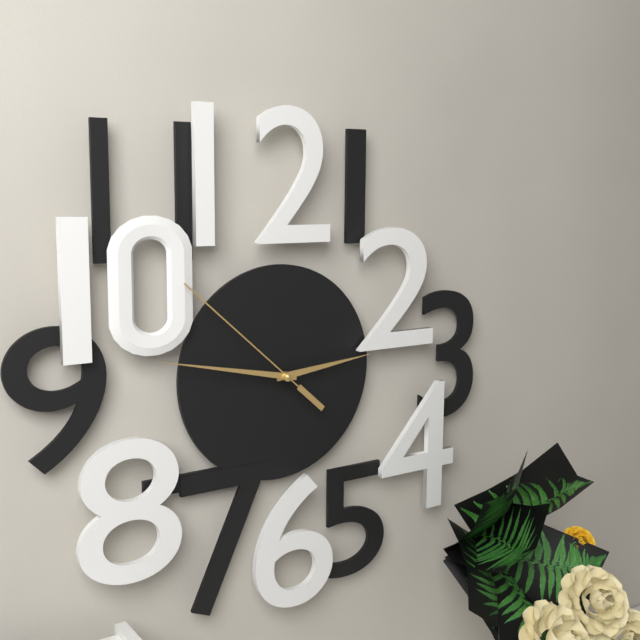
**2:47:52**
